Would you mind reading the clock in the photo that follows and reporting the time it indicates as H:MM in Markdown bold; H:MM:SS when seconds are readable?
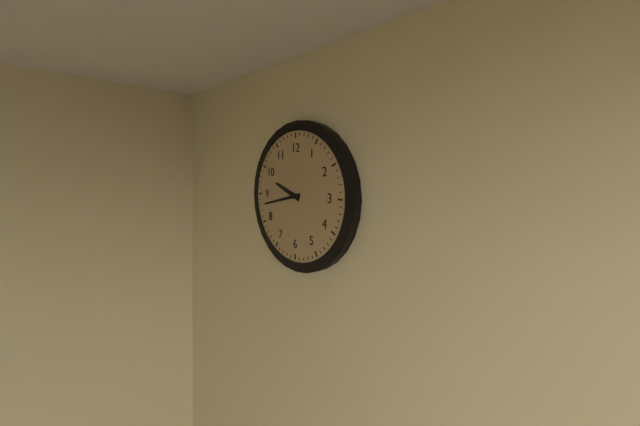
**9:43**
